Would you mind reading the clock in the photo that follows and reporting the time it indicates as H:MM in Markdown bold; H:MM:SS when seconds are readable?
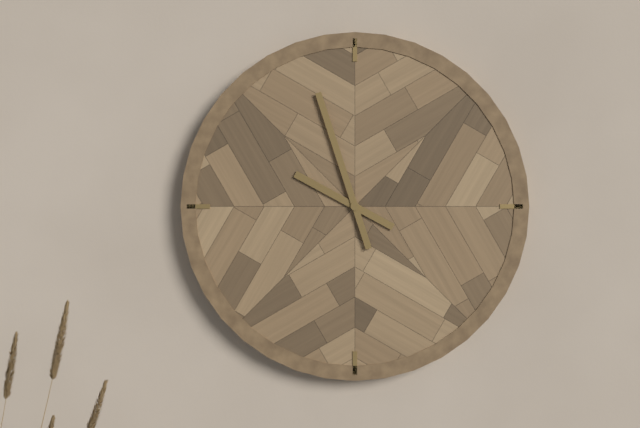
**9:57**
